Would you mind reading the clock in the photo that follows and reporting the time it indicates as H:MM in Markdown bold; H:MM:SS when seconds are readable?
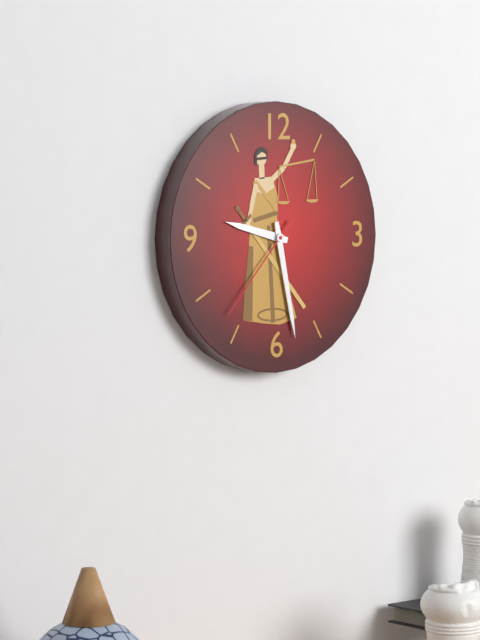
**9:28:37**
